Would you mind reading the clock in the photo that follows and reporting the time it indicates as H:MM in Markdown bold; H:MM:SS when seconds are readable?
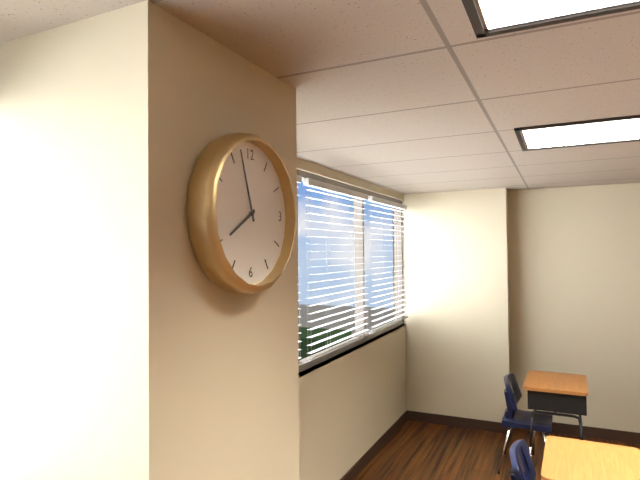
**7:57**
